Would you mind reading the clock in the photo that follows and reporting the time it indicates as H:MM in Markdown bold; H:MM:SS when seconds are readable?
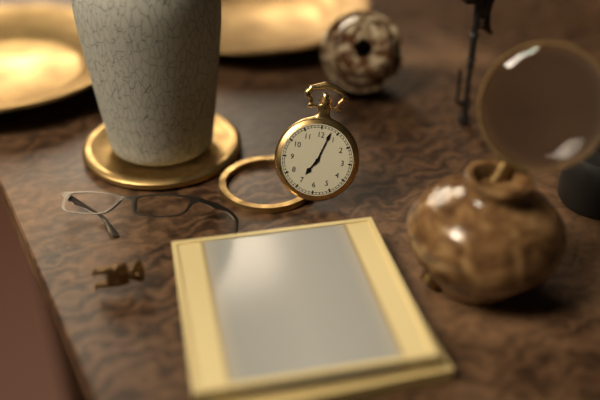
**7:03**
